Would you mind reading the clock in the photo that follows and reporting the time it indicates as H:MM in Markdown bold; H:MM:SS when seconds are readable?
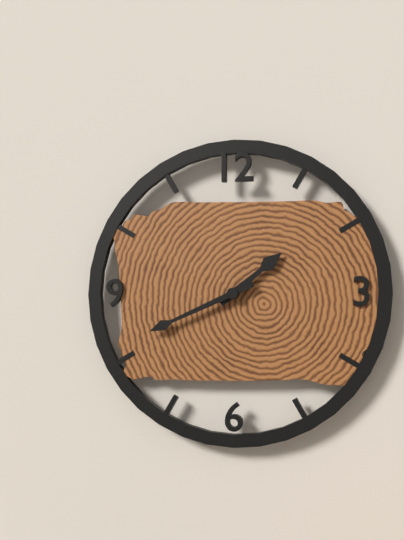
**1:41**
